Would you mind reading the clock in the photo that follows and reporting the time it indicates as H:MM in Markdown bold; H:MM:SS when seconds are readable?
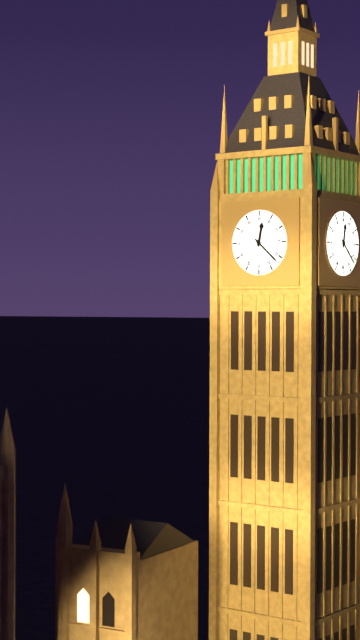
**12:22**
